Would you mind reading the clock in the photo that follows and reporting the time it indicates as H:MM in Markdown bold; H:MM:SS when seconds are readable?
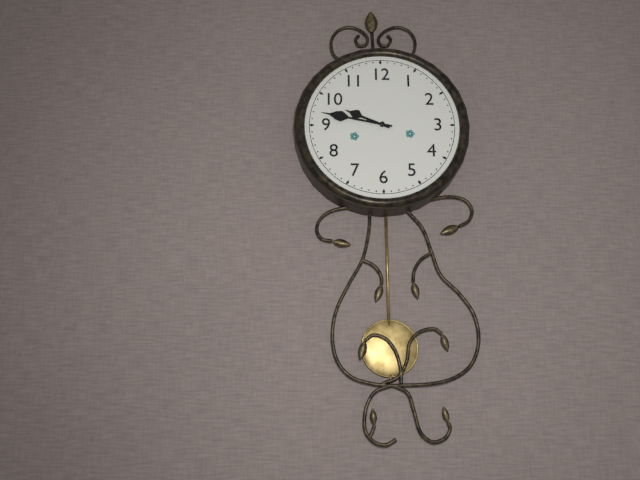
**9:47**
